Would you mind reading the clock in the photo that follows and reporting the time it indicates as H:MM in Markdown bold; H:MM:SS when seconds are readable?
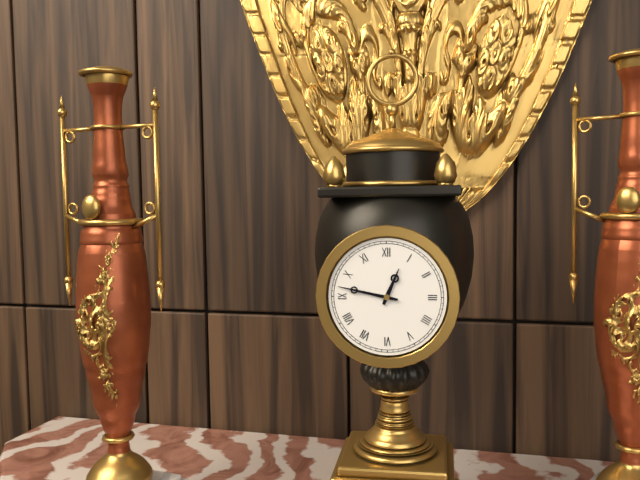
**12:47**
